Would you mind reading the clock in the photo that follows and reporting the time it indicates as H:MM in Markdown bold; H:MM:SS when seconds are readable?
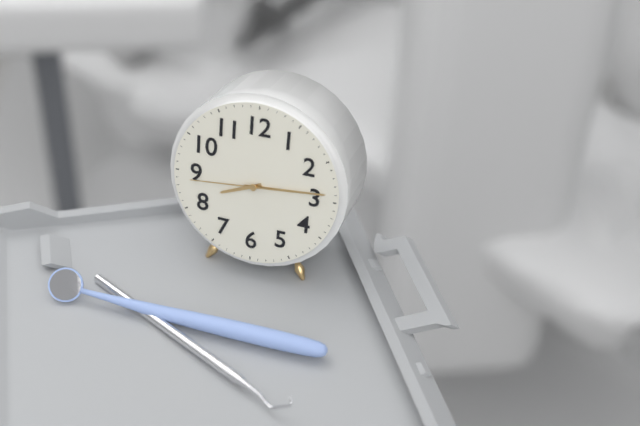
**8:14:44**
